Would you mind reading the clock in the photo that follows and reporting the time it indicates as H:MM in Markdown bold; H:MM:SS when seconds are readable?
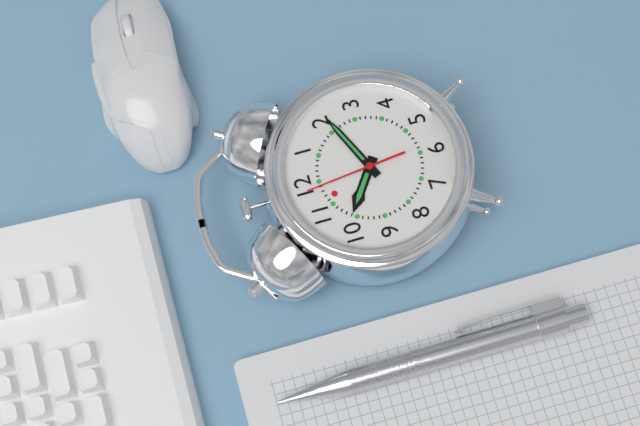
**10:11:59**
